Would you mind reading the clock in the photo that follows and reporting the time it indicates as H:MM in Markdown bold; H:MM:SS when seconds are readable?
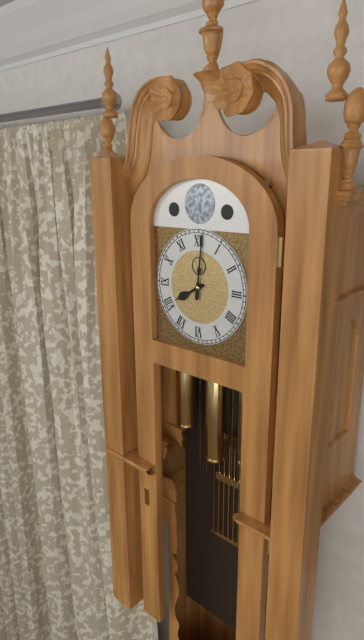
**8:01**
